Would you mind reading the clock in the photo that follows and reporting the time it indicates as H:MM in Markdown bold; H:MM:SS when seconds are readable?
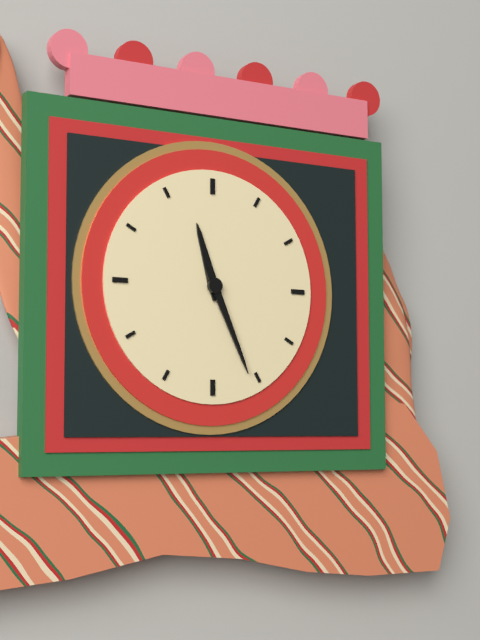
**11:26**
